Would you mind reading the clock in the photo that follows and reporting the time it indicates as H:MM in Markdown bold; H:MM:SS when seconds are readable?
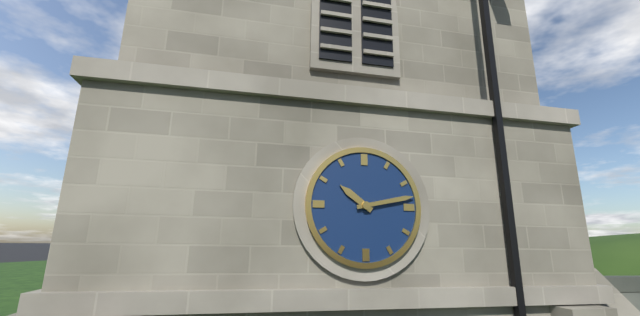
**10:13**
